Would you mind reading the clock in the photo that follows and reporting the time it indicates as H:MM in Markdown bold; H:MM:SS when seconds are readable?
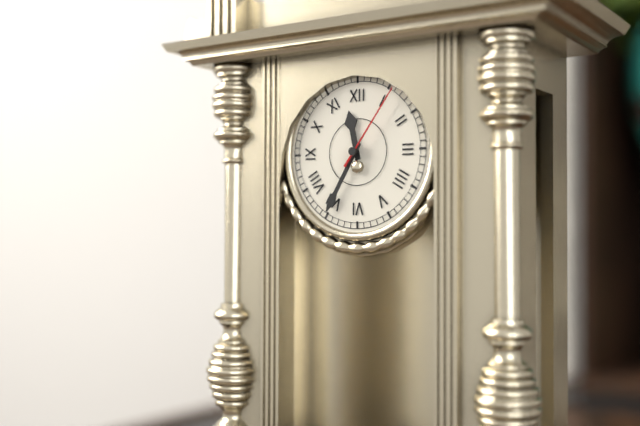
**11:35:06**
